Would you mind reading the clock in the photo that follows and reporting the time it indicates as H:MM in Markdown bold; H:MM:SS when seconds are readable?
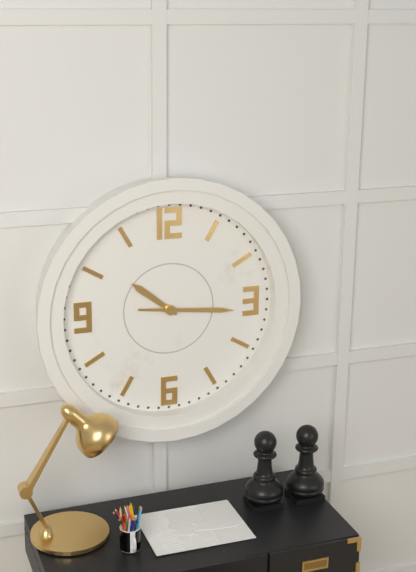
**10:16**
